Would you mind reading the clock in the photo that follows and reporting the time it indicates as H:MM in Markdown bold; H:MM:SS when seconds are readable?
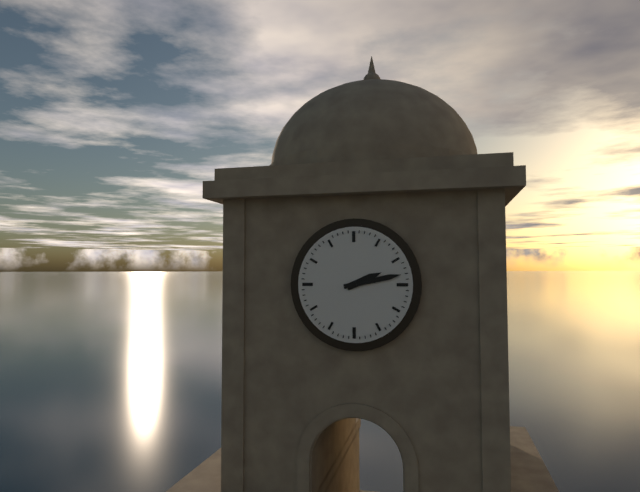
**2:13**
